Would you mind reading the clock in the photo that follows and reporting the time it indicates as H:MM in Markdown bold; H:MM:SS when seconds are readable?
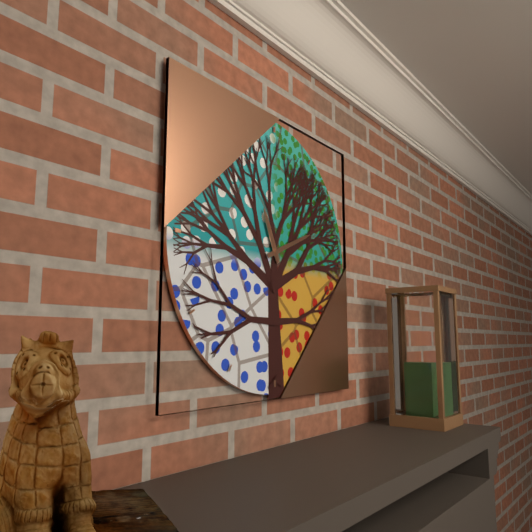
**11:11**
